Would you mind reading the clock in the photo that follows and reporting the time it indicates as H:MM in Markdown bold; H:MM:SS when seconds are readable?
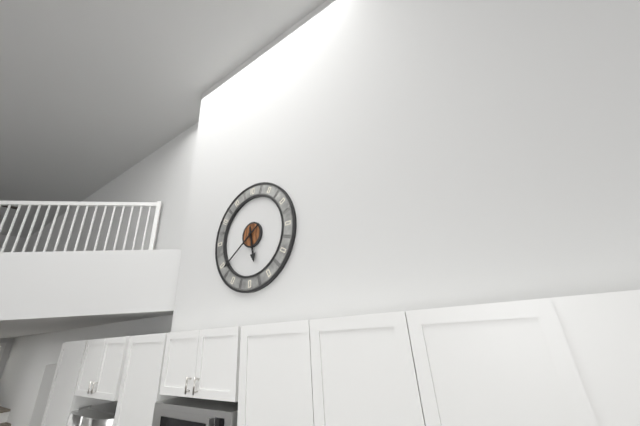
**5:39**
